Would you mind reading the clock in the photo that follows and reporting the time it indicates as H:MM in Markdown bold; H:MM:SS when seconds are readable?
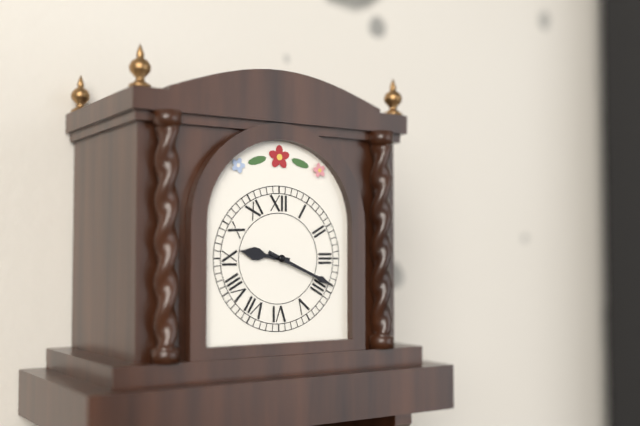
**9:19**
